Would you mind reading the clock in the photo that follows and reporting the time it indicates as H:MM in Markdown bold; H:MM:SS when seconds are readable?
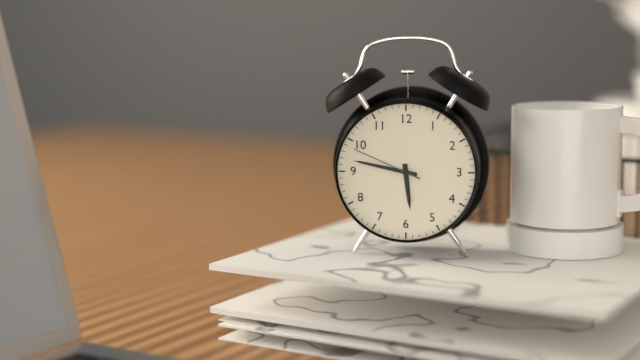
**5:47:49**
